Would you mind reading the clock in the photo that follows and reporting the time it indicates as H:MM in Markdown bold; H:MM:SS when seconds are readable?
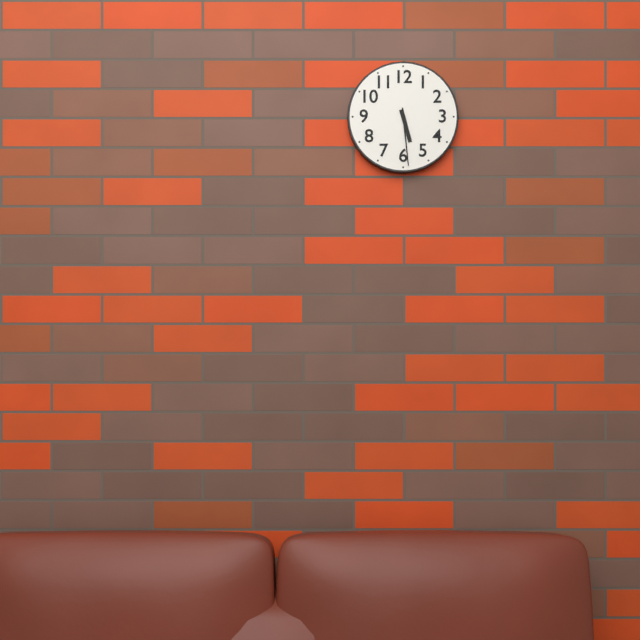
**5:29**
